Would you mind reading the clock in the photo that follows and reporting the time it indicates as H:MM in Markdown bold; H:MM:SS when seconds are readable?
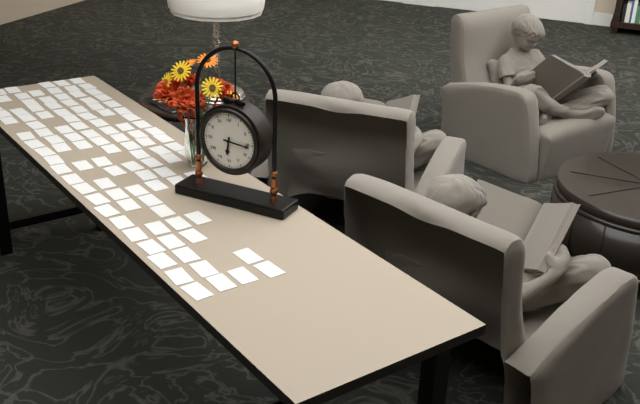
**6:16**
